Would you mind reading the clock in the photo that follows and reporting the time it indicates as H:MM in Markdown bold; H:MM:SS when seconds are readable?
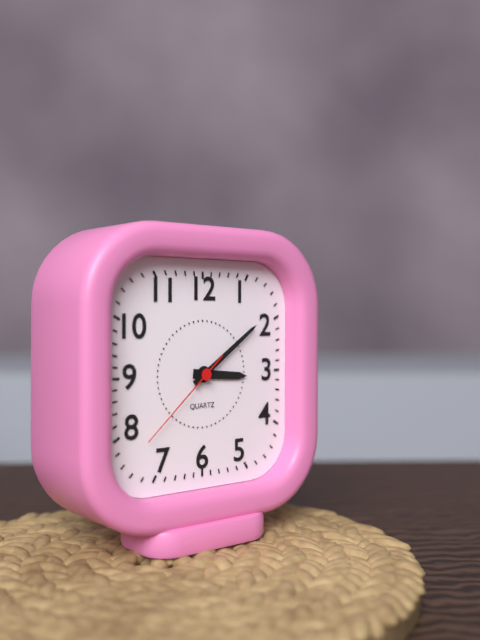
**3:09:38**
